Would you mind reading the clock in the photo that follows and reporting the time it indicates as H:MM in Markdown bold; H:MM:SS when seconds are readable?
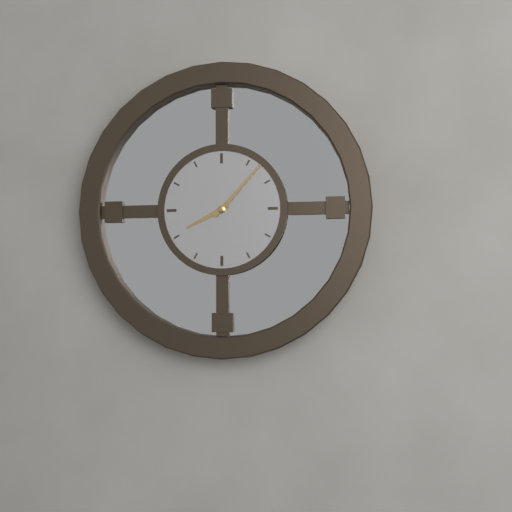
**8:07**
